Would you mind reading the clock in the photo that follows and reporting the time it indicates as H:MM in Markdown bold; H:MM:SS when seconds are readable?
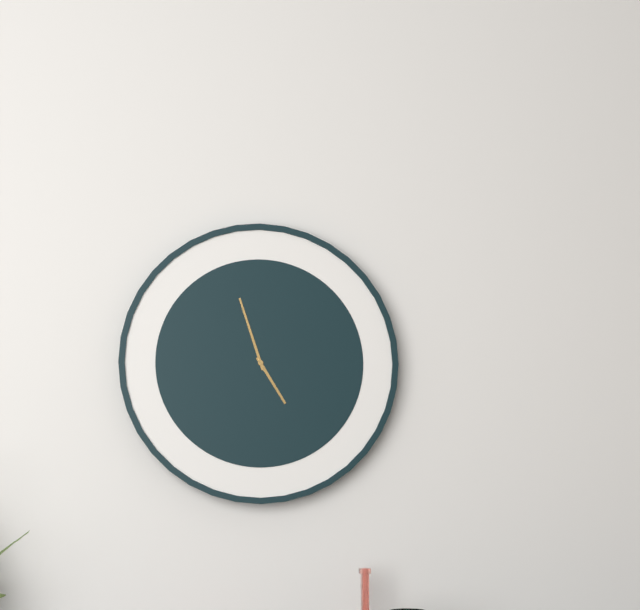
**4:57**
